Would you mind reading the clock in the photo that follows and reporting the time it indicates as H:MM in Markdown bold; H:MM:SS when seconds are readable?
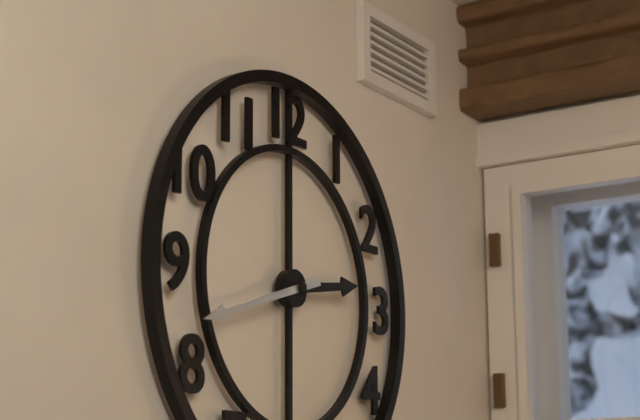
**2:42**
